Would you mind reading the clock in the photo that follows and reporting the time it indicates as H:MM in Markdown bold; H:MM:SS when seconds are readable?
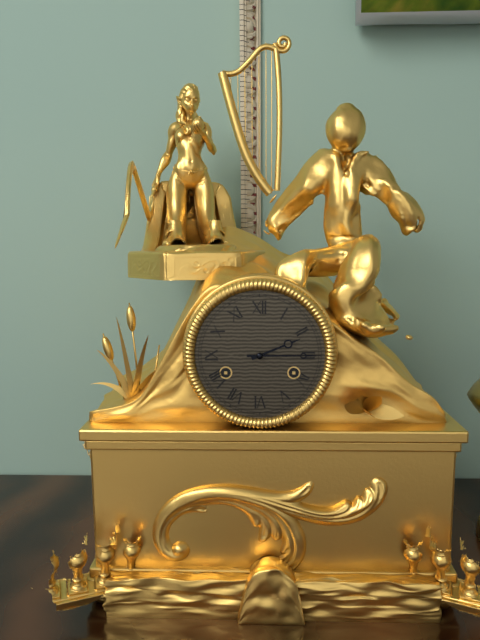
**2:15**
